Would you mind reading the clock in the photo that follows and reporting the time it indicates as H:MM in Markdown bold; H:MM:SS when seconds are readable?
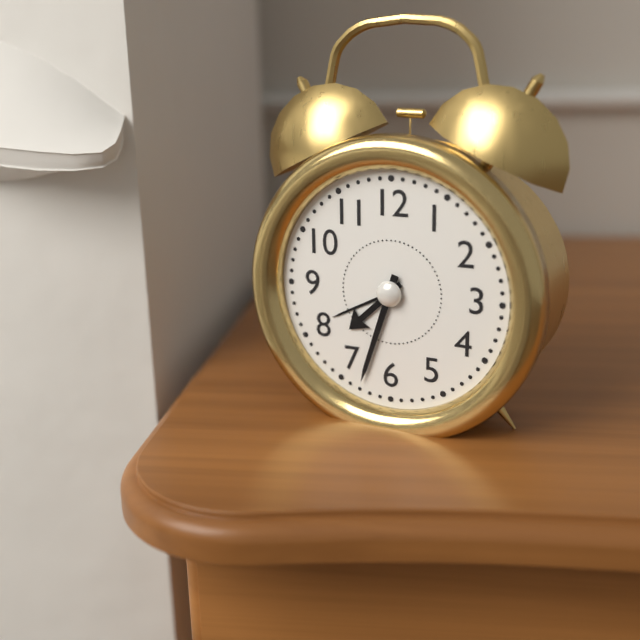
**7:33**
